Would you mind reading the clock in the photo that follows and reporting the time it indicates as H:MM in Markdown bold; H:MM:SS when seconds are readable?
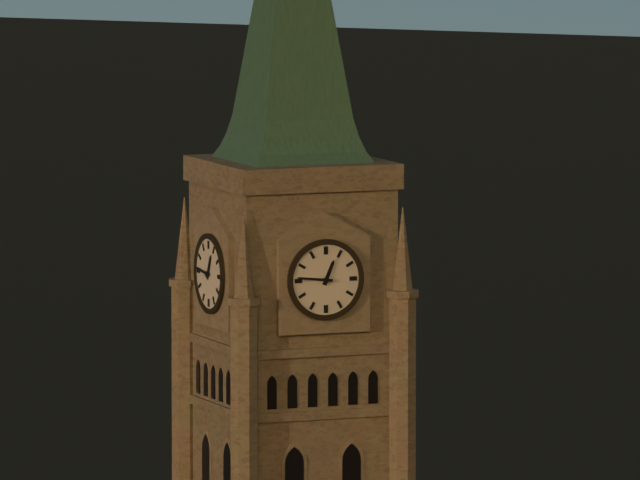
**12:46**
